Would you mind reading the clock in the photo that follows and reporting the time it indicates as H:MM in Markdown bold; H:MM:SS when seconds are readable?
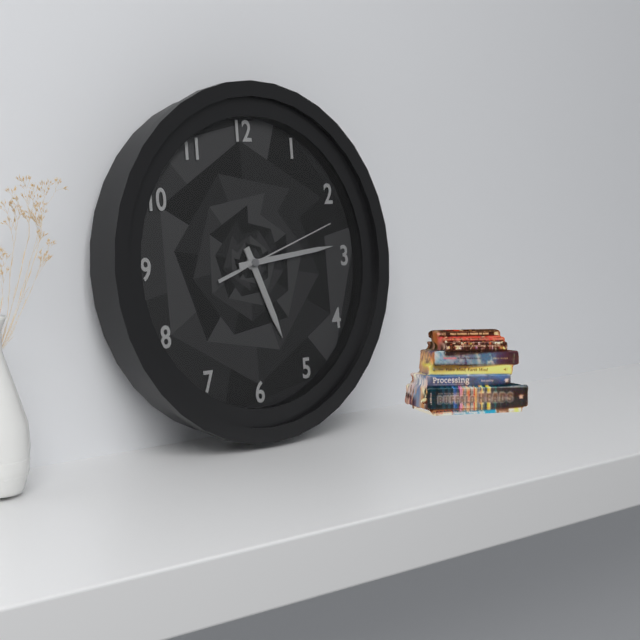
**5:14:12**
